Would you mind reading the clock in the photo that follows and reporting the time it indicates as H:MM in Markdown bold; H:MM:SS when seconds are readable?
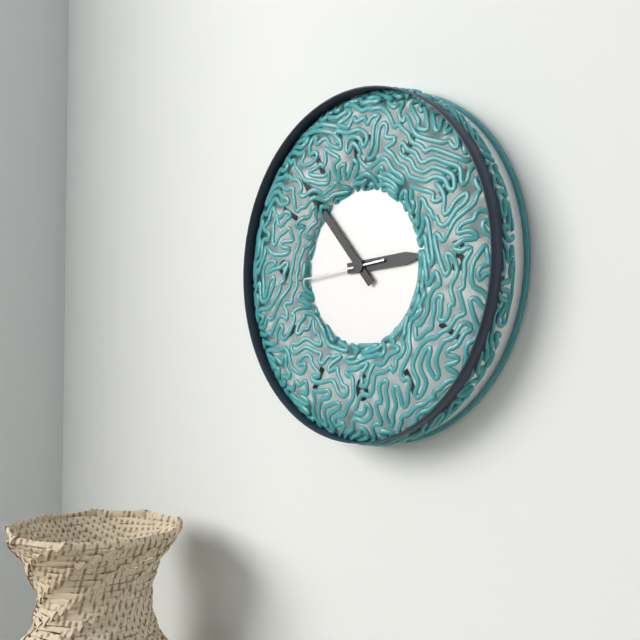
**2:53:44**
